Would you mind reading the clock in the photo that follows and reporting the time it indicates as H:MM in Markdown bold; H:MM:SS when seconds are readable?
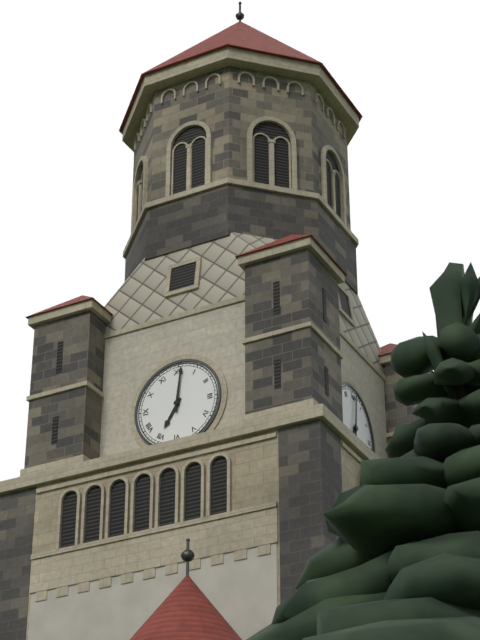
**7:01**
